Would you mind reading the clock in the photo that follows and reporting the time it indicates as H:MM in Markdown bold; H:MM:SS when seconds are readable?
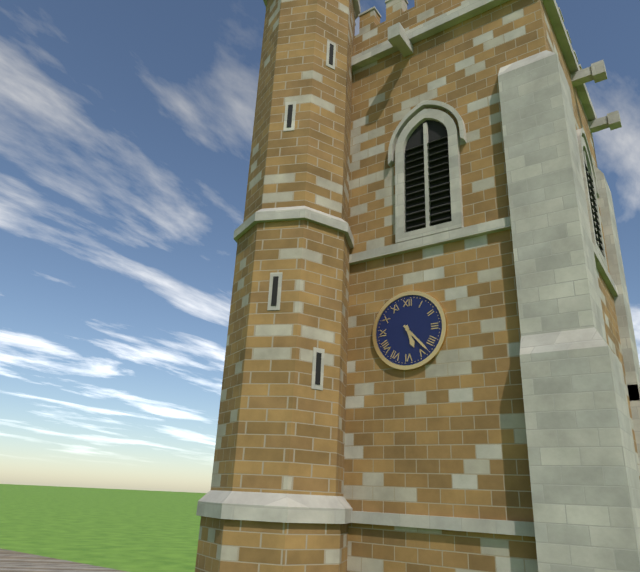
**5:23**
